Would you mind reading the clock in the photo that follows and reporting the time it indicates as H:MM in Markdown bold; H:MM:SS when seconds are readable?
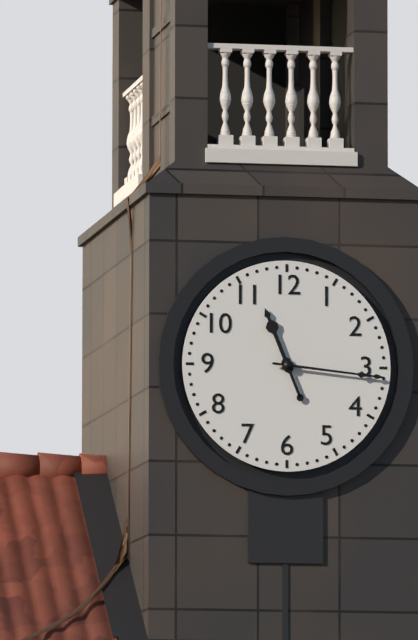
**11:16**
